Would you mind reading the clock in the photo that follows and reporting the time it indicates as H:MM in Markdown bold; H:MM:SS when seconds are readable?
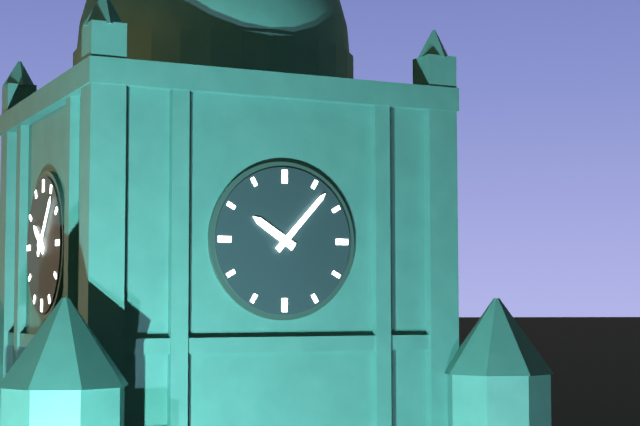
**10:07**
